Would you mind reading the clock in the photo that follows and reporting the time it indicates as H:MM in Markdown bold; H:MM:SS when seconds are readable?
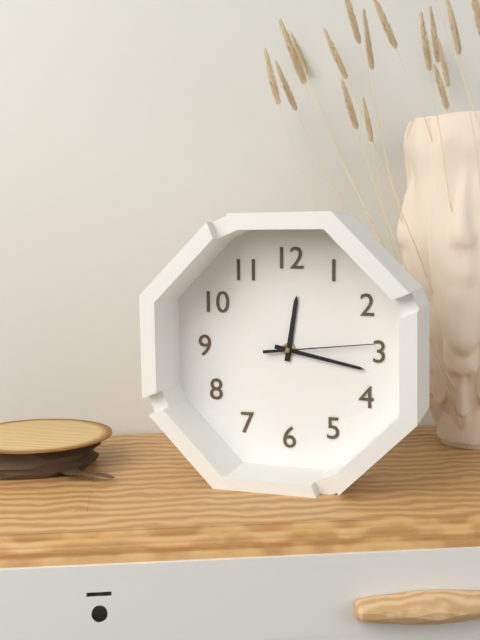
**12:17:14**
